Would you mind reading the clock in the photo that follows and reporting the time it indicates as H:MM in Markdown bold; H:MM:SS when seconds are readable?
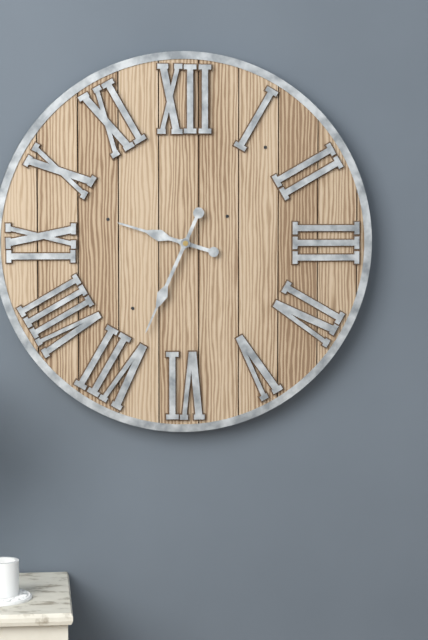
**9:34**
